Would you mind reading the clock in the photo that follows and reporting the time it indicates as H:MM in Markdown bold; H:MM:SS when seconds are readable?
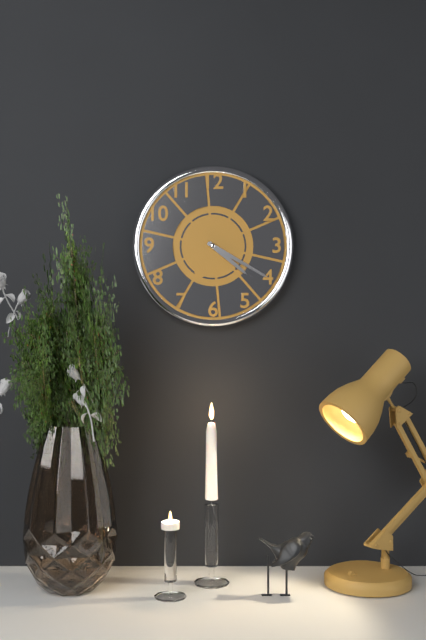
**4:20**
